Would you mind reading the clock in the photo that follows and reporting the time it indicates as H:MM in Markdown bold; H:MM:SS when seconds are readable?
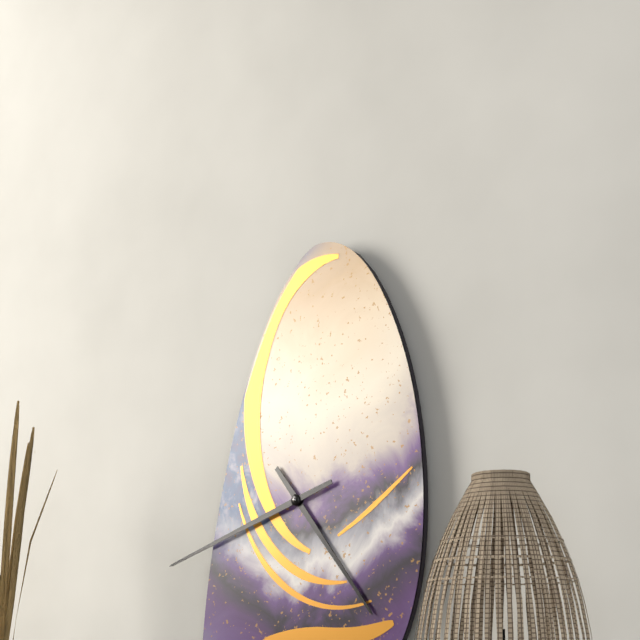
**4:42**
